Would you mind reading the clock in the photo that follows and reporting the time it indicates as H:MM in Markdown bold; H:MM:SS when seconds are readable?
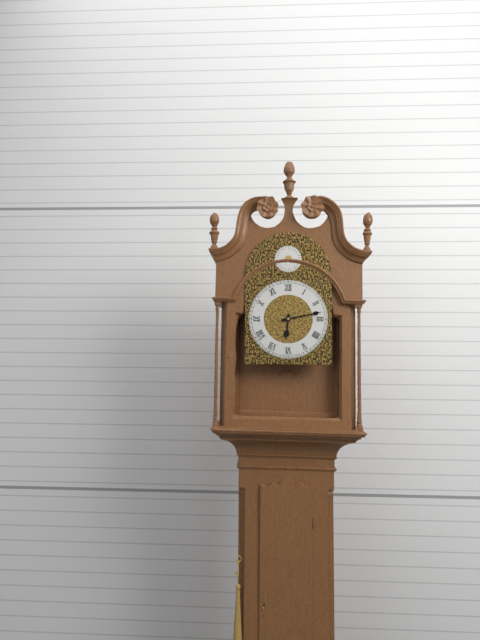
**6:13**
